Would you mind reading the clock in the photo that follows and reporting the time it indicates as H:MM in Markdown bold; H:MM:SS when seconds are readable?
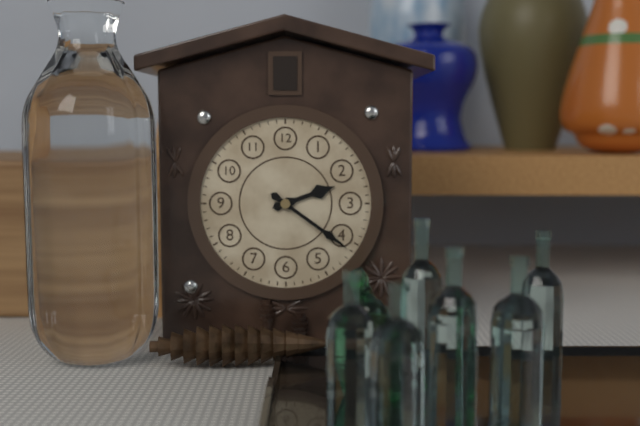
**2:21**
